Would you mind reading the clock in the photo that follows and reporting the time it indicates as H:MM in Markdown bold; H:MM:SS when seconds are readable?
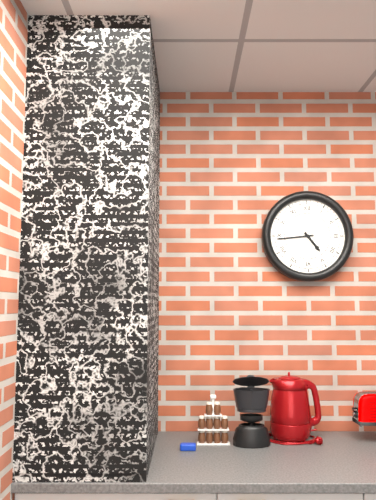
**4:44**
